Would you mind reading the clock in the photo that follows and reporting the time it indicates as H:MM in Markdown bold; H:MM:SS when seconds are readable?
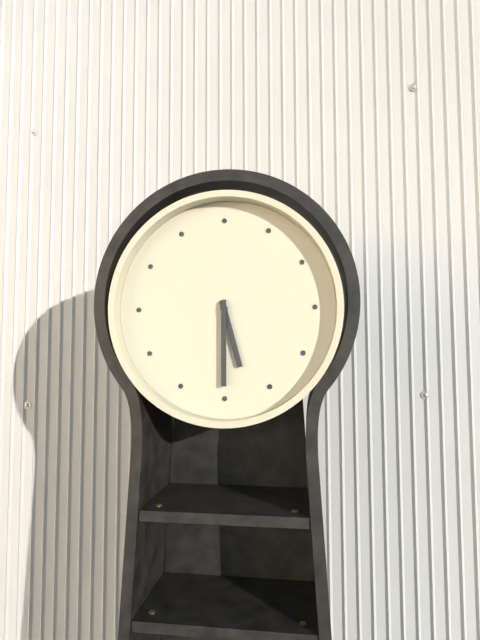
**5:30**
